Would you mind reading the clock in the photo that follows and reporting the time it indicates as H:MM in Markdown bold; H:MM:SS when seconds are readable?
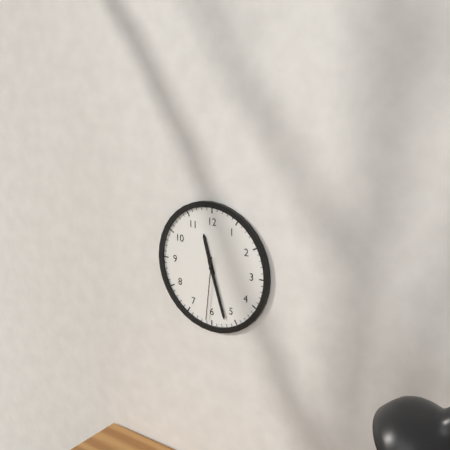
**11:27:31**
